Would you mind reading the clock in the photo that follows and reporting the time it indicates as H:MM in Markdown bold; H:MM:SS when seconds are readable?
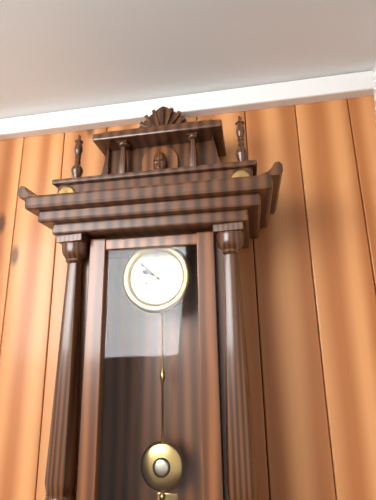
**9:52**
